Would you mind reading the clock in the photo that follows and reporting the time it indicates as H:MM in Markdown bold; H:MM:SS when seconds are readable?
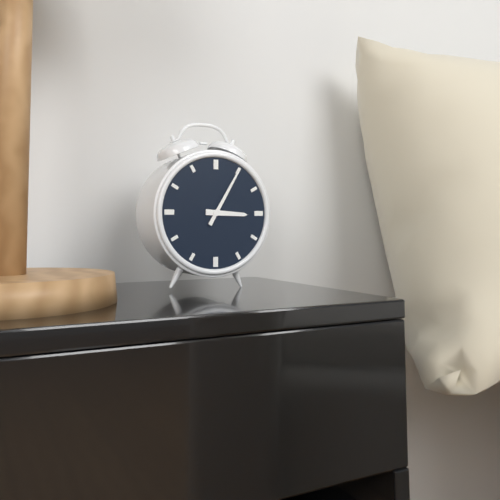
**3:05**
